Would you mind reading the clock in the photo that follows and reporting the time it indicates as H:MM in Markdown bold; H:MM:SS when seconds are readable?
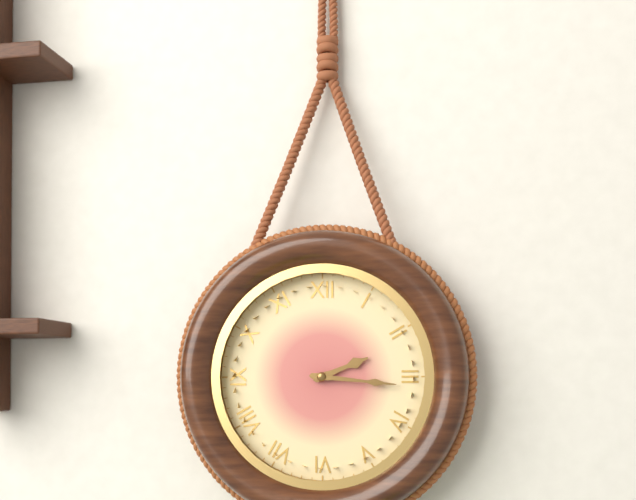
**2:16**
